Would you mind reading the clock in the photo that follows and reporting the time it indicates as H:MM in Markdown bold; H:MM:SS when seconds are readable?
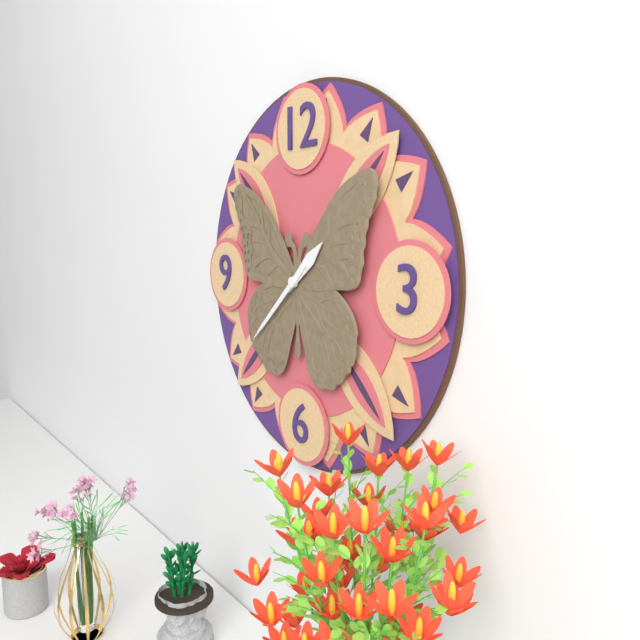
**1:38**
